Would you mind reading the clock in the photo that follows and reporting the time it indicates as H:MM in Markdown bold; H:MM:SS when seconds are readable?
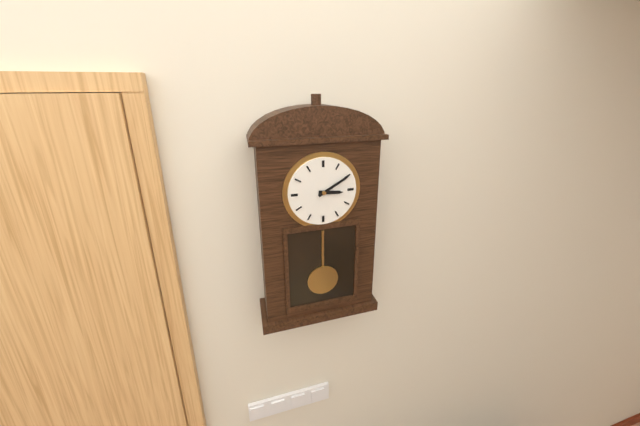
**3:10**
